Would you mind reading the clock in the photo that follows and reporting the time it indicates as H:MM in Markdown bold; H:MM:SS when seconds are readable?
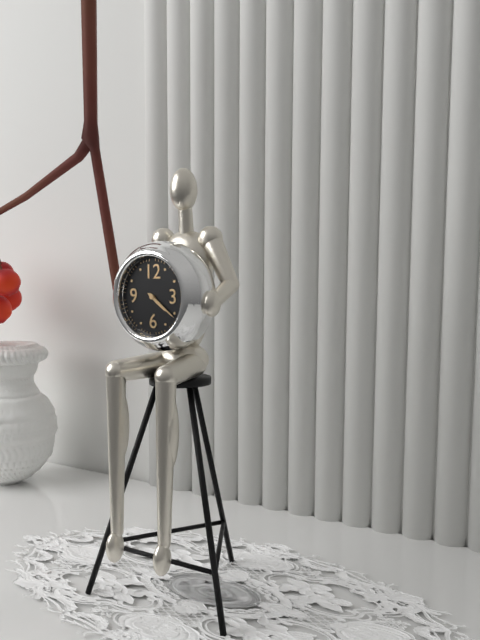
**4:21**
